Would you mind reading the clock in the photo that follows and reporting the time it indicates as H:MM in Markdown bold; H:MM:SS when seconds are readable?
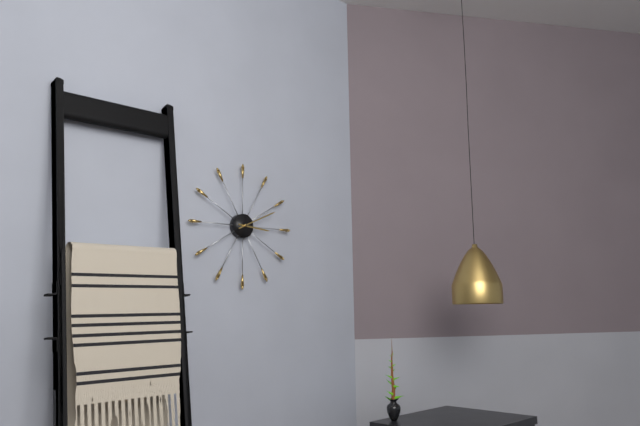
**3:11**
